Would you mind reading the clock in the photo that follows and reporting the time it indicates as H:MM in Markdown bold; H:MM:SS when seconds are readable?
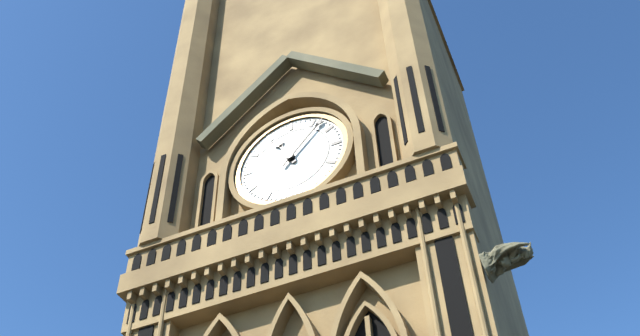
**11:07**
